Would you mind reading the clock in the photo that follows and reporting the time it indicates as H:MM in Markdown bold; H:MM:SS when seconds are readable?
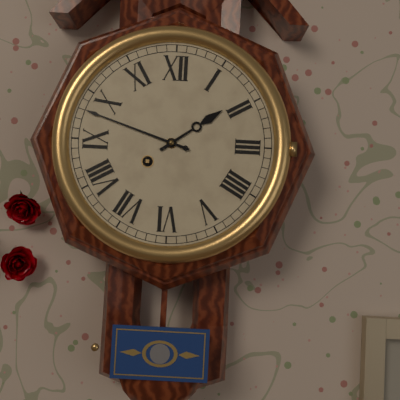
**1:48**
